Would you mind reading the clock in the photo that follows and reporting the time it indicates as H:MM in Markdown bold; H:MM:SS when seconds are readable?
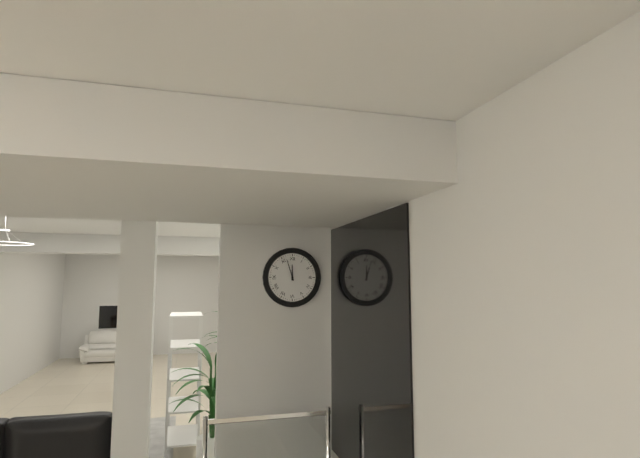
**11:57**
